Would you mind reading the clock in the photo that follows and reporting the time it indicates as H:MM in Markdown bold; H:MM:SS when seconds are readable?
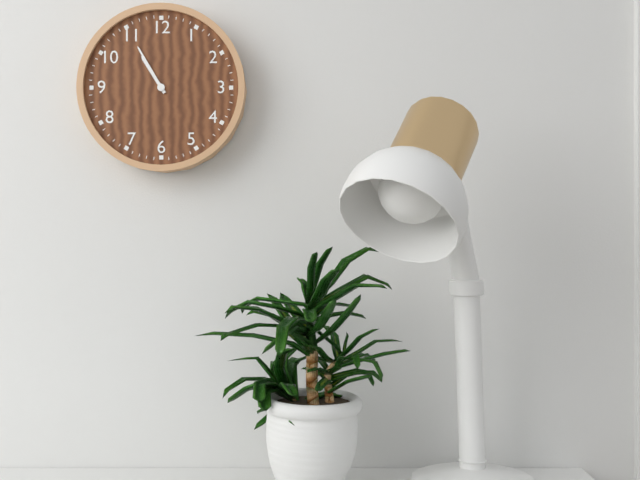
**10:55**
